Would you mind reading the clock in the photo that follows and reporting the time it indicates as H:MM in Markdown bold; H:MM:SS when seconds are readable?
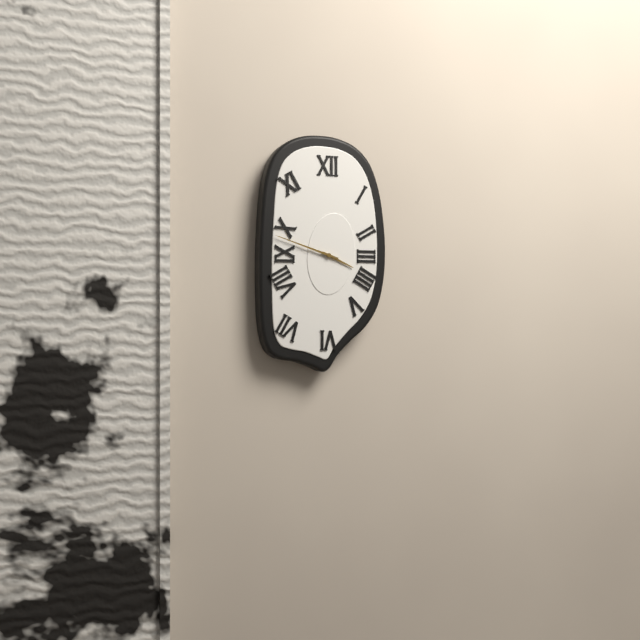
**3:48**
